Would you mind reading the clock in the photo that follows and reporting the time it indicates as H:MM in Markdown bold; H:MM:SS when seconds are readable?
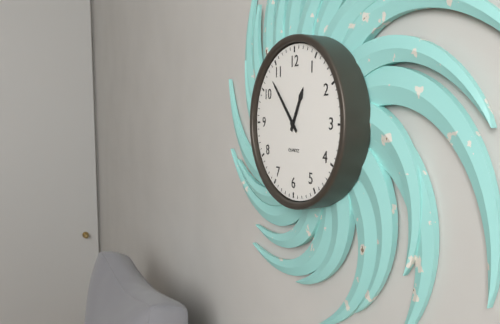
**12:53**
